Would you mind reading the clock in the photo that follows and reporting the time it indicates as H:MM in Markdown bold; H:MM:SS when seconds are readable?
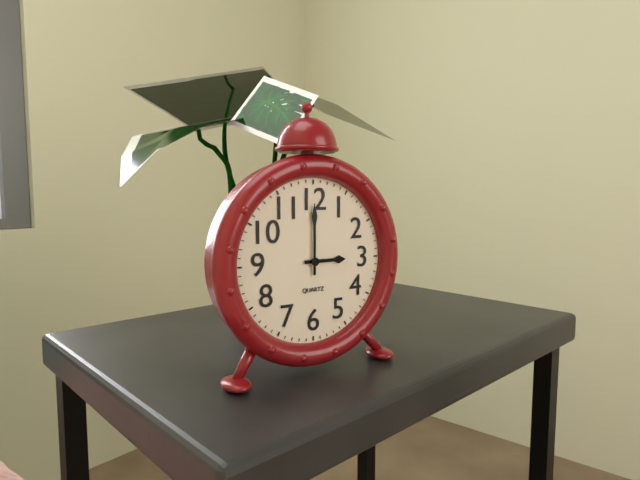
**3:00**
